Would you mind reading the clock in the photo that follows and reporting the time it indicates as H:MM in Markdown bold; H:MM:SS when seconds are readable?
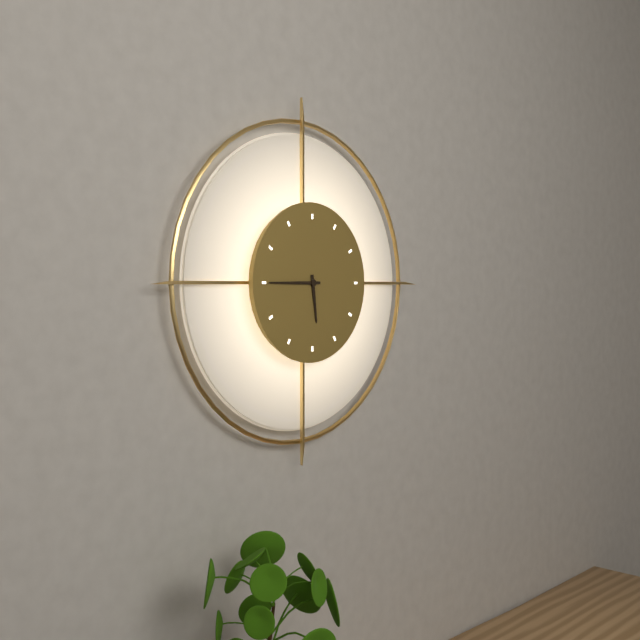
**5:45**
